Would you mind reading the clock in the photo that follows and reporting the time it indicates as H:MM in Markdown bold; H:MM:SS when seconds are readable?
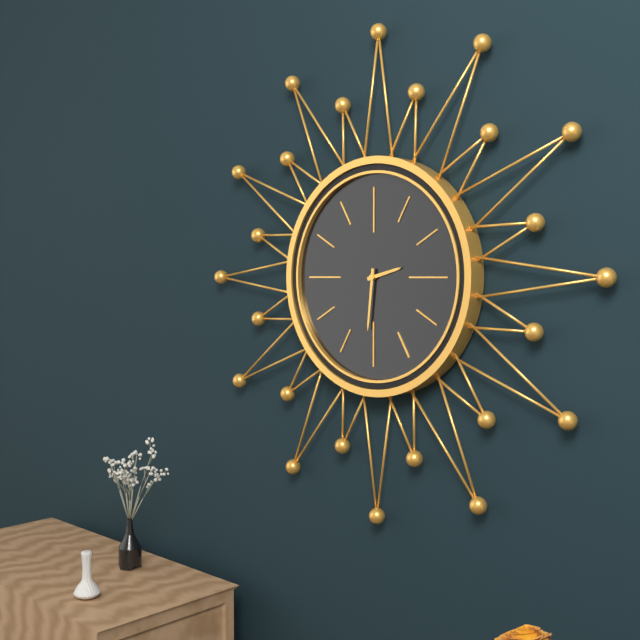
**2:31**
